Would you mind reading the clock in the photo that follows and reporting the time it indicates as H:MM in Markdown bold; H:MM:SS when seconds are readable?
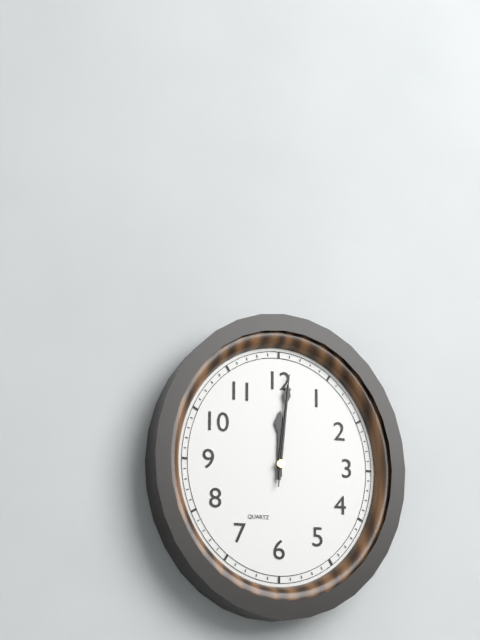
**12:01:01**
